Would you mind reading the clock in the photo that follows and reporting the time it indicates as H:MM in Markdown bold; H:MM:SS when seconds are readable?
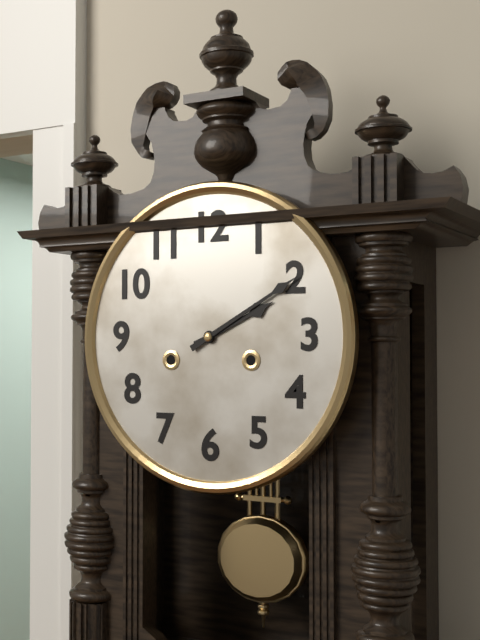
**2:10**
